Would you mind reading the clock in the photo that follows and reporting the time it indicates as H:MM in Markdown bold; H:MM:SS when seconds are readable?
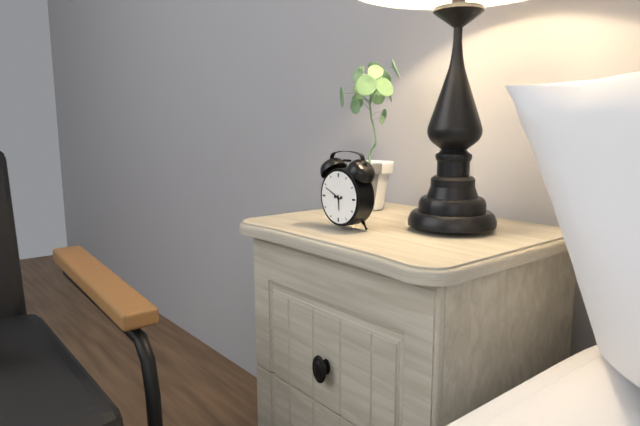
**5:49**
